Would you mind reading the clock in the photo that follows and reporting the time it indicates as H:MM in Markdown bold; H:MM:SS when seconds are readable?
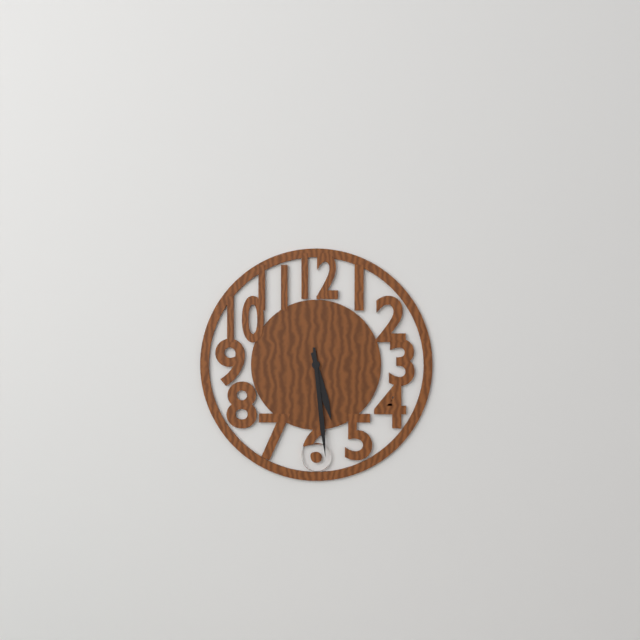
**5:29**
